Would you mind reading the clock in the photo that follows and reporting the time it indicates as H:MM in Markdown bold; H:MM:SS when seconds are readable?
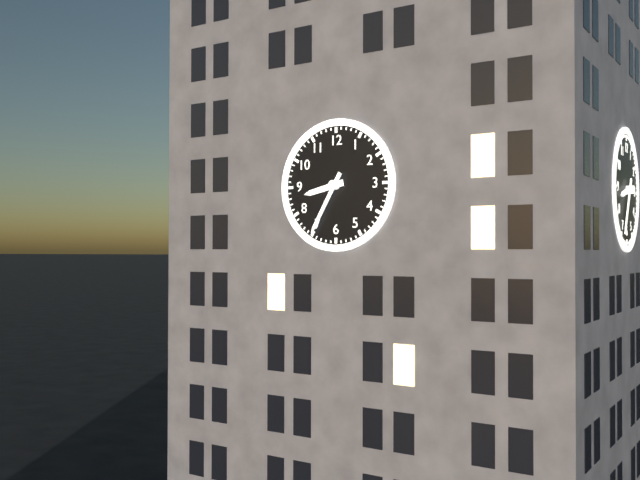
**8:35**
